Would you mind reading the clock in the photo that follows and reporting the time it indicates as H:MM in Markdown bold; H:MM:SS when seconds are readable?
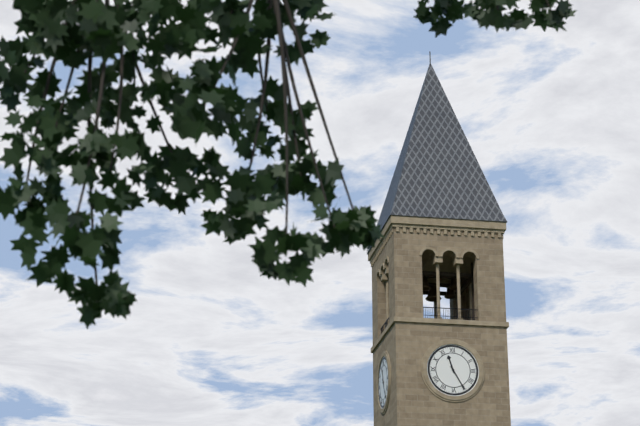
**11:25**
